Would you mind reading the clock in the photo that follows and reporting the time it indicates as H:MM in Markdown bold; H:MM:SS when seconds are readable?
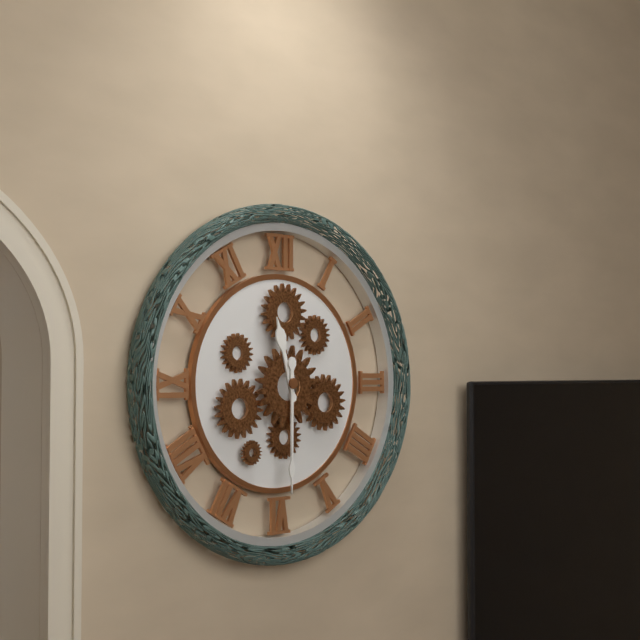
**11:30**
